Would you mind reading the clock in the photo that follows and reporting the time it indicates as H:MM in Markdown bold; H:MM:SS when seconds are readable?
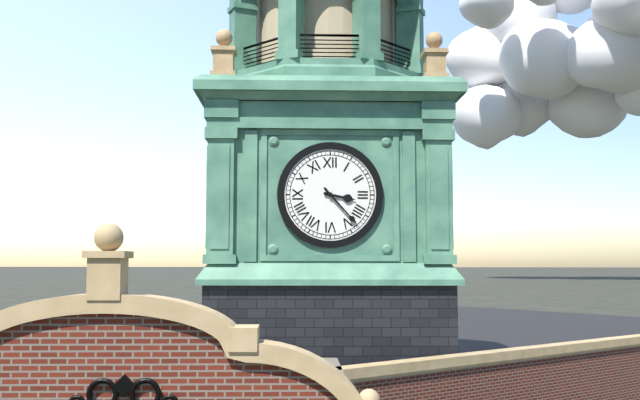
**3:23**
